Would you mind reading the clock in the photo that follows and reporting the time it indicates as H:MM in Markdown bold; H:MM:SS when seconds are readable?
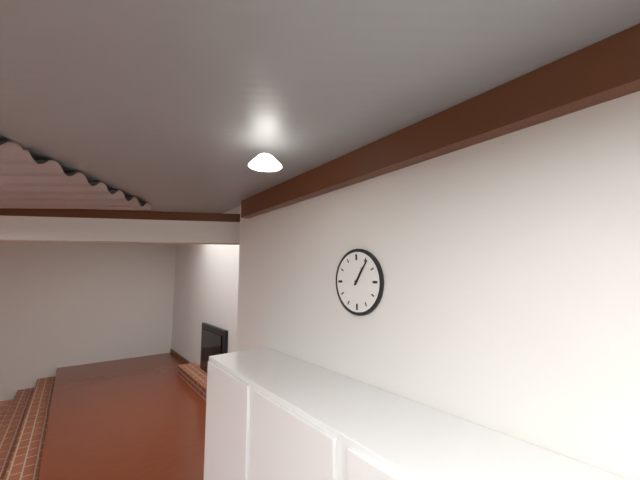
**1:06**
